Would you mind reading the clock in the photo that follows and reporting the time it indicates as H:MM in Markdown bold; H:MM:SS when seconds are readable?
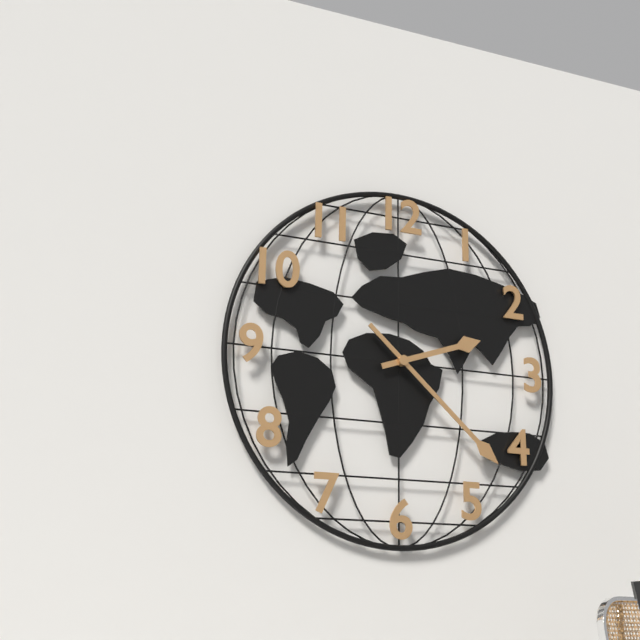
**2:22**
